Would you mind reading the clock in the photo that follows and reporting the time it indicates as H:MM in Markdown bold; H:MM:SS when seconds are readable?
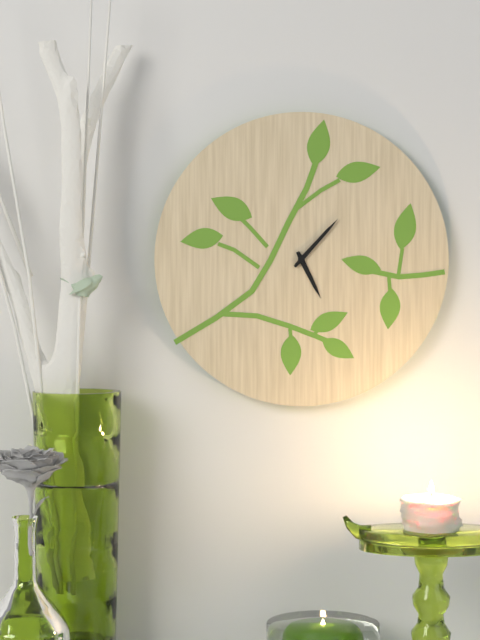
**5:07**
